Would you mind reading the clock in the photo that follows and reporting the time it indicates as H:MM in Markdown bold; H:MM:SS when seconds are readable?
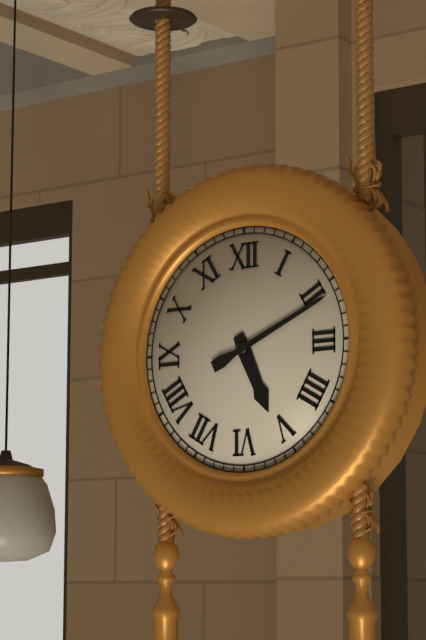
**5:11**
